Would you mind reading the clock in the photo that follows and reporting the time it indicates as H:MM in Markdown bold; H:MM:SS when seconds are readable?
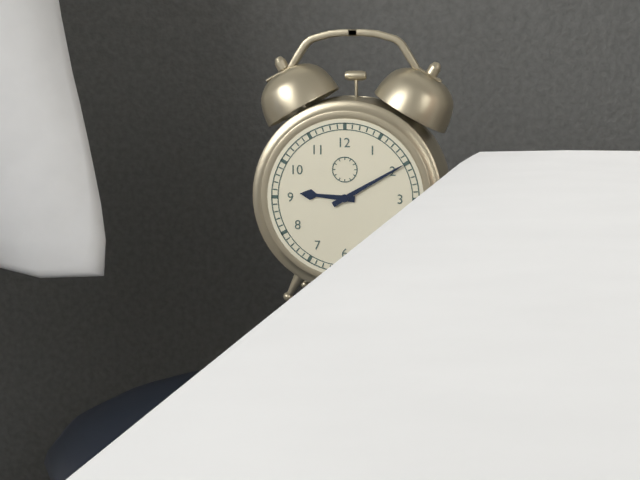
**9:10**
